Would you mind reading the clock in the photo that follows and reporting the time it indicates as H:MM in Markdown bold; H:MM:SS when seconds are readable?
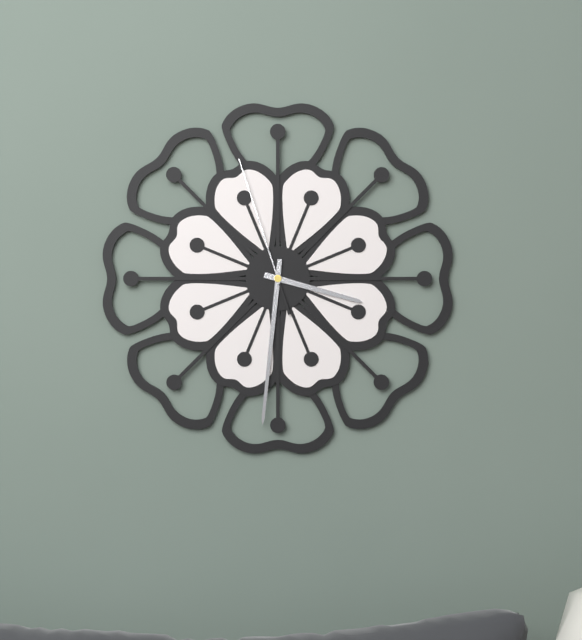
**3:31:57**
